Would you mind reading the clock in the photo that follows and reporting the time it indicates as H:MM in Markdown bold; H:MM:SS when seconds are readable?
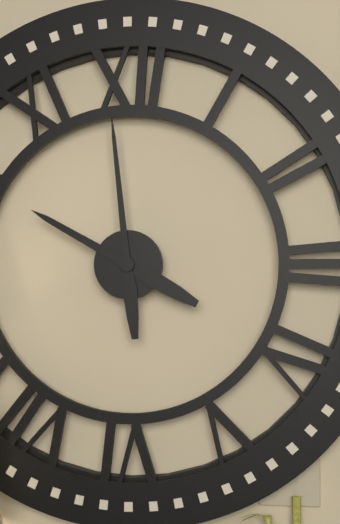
**9:59**
